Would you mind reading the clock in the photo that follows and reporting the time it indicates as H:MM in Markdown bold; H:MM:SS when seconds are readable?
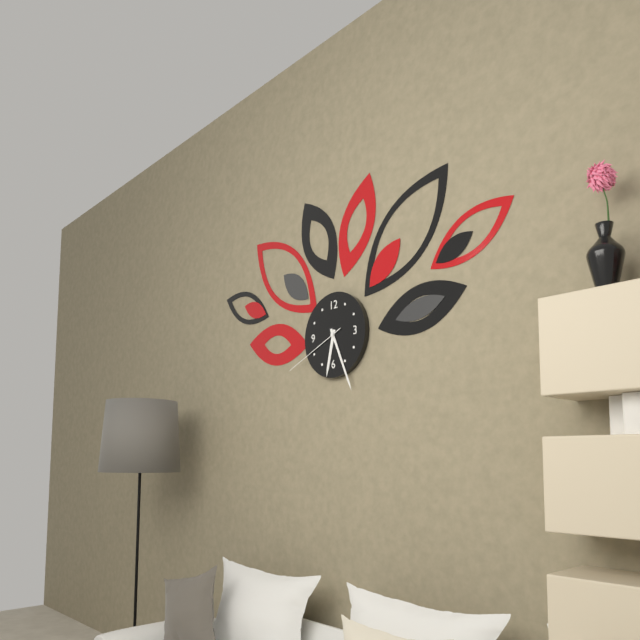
**6:26:41**
